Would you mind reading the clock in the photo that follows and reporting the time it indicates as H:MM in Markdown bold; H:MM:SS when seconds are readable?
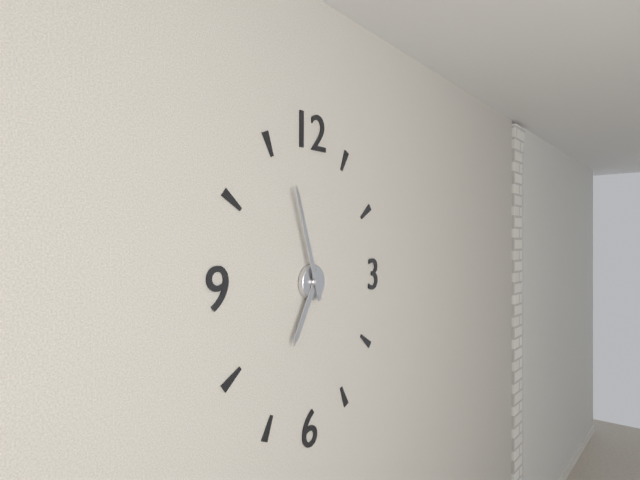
**6:57**
